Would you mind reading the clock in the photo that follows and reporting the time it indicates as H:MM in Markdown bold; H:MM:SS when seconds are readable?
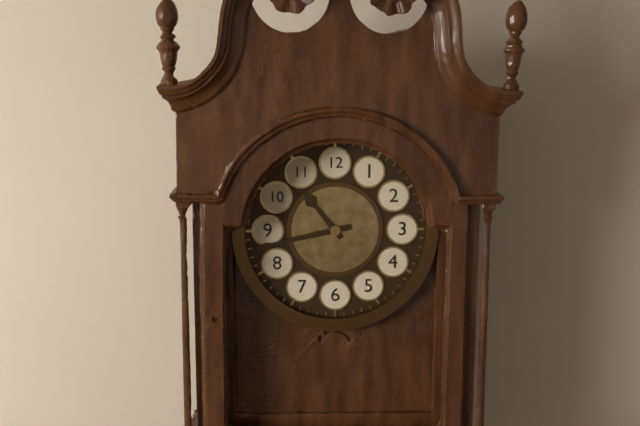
**10:43**
